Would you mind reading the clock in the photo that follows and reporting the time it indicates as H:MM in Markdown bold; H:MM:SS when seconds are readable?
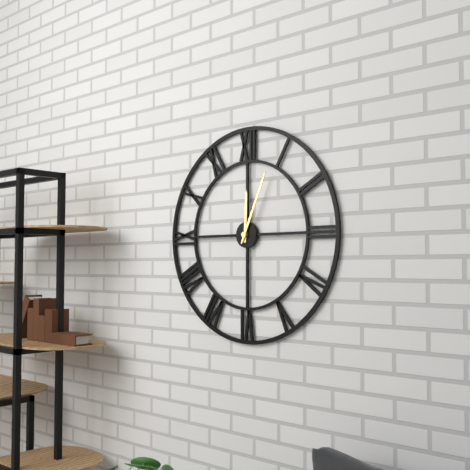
**12:04**
